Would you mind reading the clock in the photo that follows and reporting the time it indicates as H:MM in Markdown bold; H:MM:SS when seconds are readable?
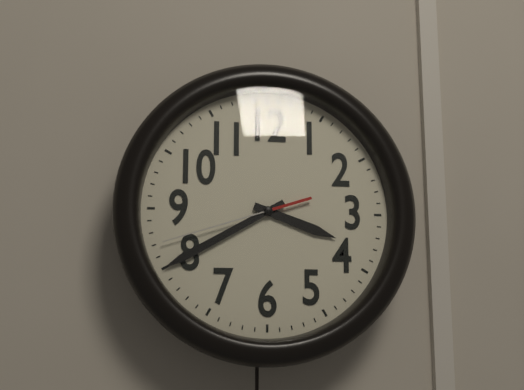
**3:40:42**
